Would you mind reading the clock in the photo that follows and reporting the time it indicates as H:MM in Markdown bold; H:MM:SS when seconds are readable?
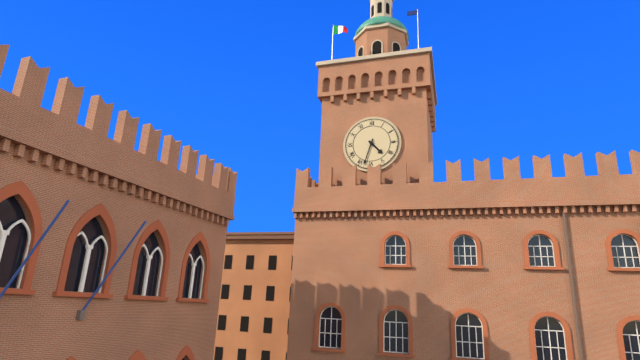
**4:33**
